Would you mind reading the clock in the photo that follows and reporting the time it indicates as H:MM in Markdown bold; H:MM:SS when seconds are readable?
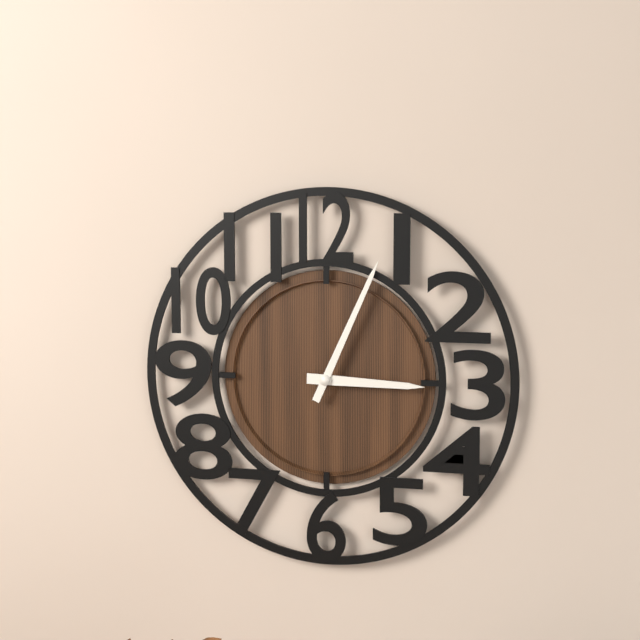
**3:04**
